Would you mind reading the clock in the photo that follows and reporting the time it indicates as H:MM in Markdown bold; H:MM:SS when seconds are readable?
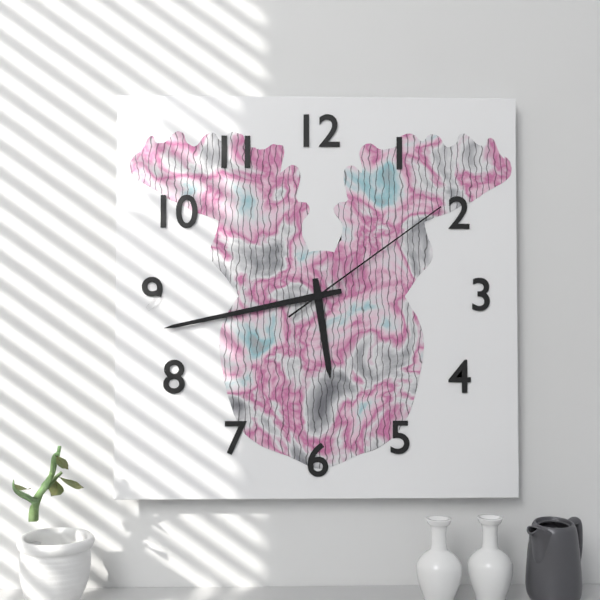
**5:43:09**
